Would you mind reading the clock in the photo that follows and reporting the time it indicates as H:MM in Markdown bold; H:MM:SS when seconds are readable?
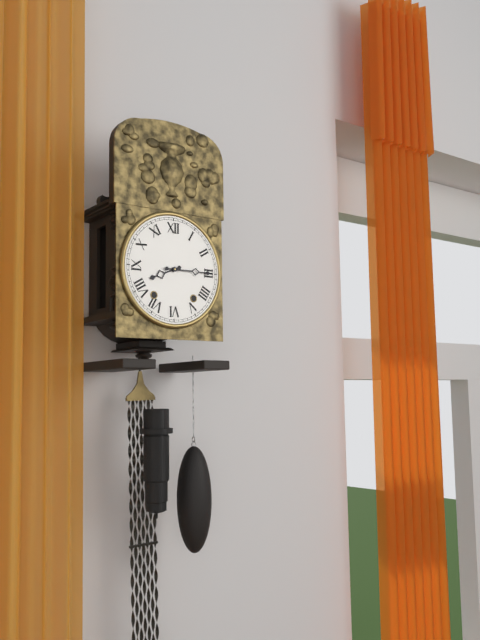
**8:15**
